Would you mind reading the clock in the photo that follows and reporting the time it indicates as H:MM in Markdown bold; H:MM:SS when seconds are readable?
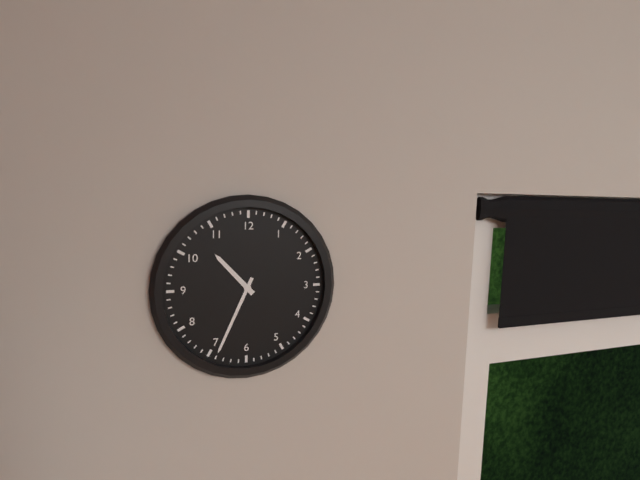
**10:34**
